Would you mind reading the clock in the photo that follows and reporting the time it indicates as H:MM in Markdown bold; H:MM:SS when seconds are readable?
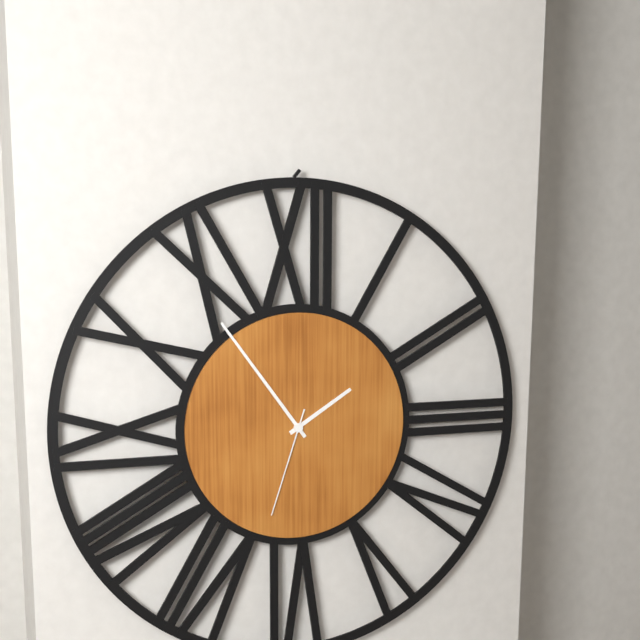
**1:54:33**
